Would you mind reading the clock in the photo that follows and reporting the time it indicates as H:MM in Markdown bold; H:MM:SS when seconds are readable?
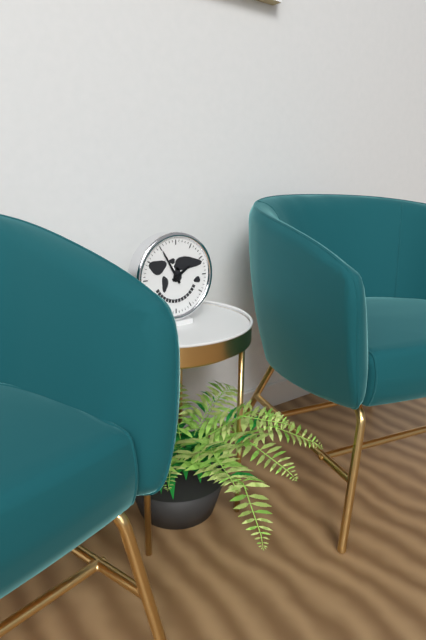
**1:55**
